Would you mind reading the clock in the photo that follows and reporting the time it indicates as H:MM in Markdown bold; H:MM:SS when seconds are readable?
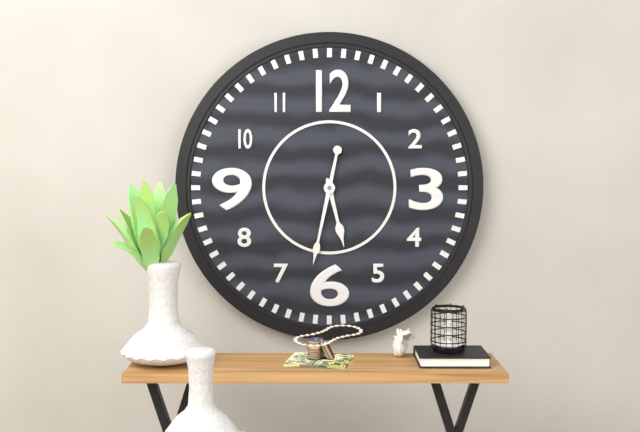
**5:32**
